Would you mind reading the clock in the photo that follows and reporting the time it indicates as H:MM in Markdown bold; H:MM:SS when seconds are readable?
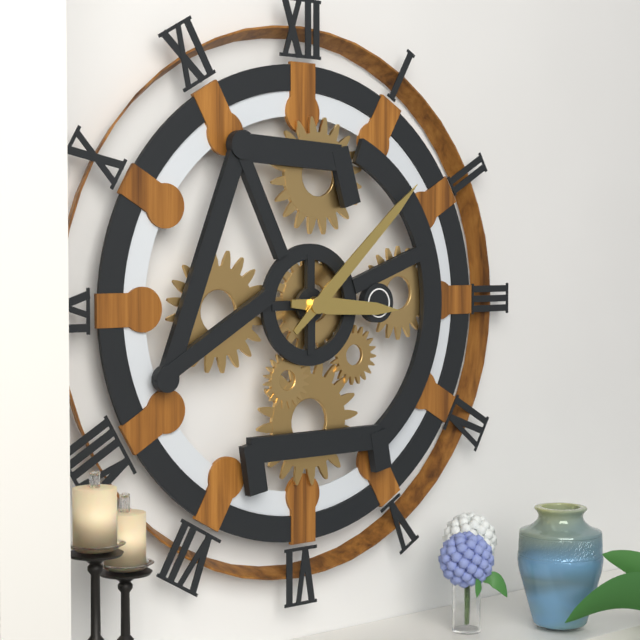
**3:08**
